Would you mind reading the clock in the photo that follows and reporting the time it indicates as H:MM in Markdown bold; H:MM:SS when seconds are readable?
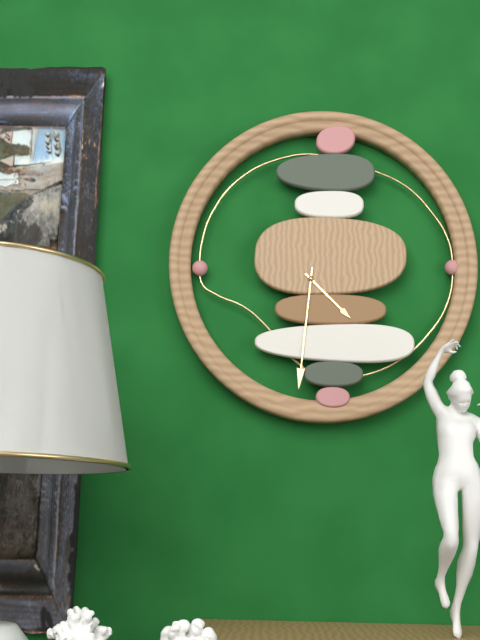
**4:31**
